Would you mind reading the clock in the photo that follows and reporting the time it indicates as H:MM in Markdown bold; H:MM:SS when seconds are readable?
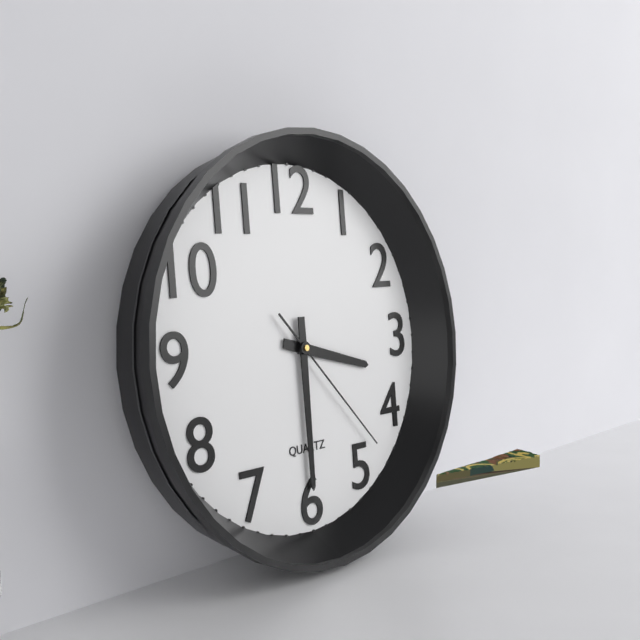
**3:30:23**
